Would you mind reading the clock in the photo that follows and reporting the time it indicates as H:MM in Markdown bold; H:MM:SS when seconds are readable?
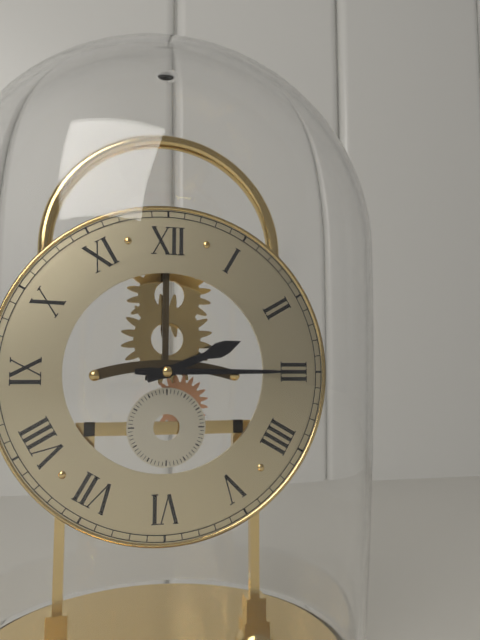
**2:15**
